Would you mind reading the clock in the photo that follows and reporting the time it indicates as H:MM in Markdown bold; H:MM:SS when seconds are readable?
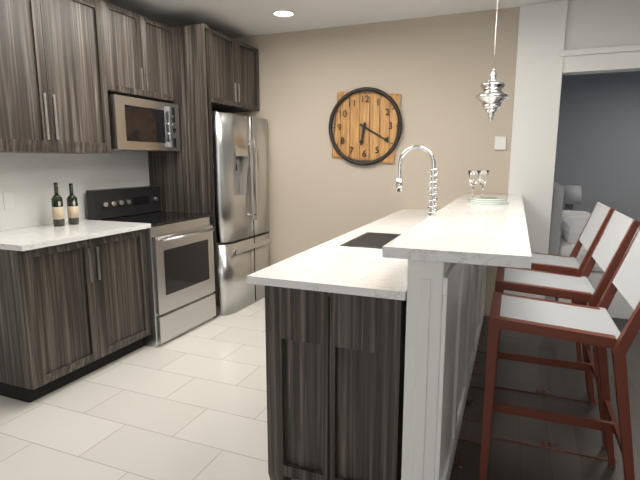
**6:20**
